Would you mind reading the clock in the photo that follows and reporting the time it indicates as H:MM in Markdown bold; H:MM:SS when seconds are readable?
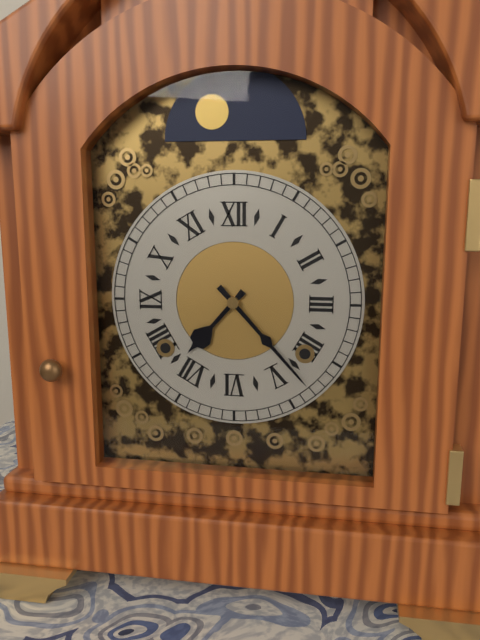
**7:23**
